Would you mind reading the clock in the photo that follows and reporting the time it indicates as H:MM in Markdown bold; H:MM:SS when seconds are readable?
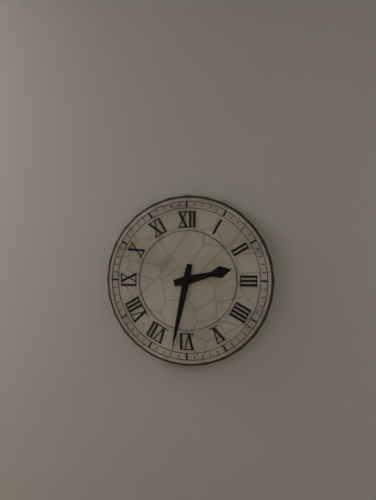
**2:32**
